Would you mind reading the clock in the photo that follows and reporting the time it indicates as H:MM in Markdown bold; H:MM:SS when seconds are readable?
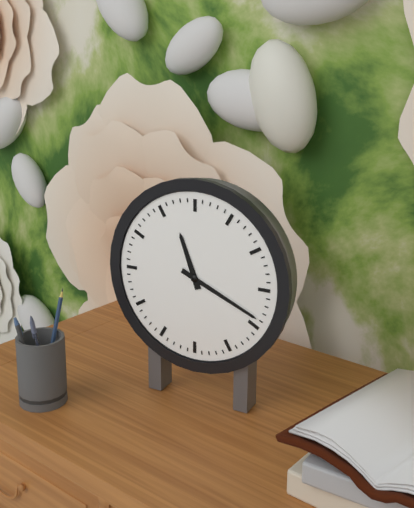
**11:19**
